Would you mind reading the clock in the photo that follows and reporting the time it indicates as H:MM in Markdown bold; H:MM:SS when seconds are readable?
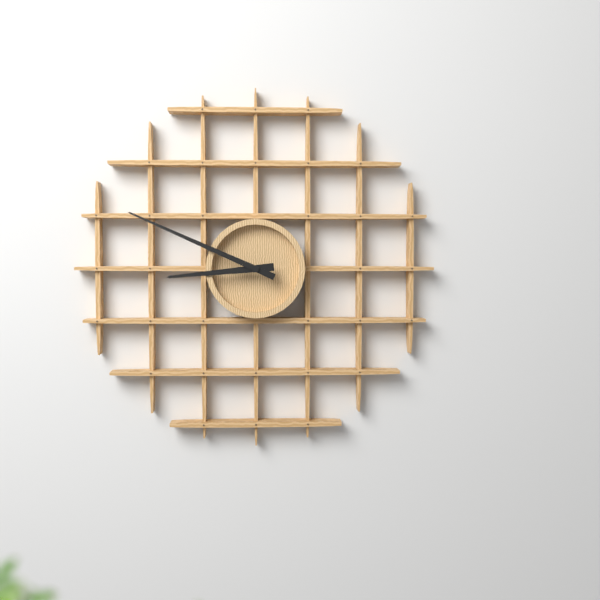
**8:49**
